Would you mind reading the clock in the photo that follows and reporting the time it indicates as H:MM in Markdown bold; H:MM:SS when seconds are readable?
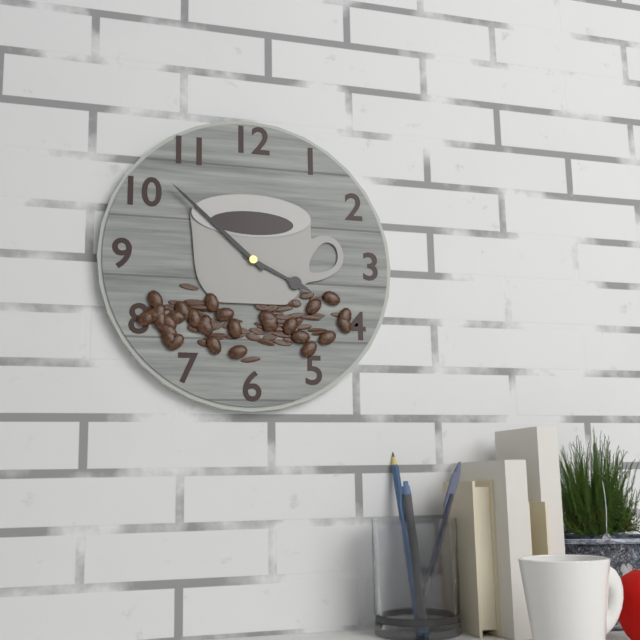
**3:52**
